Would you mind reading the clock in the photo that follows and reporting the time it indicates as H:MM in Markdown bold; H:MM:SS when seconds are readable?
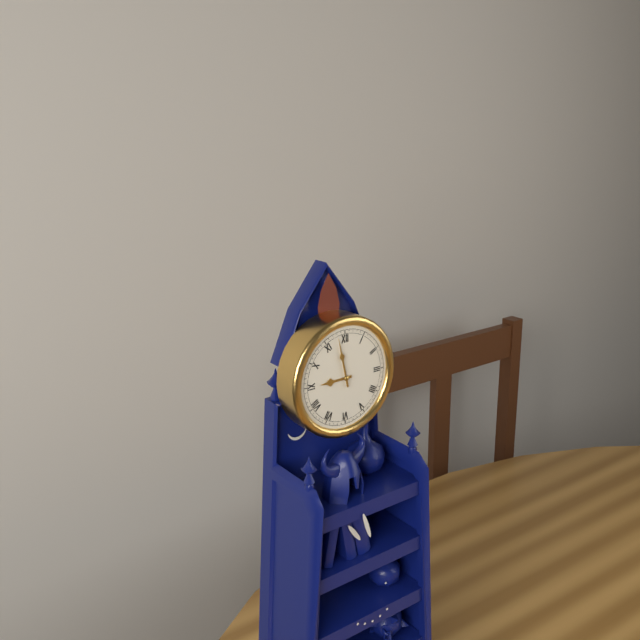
**8:58**
